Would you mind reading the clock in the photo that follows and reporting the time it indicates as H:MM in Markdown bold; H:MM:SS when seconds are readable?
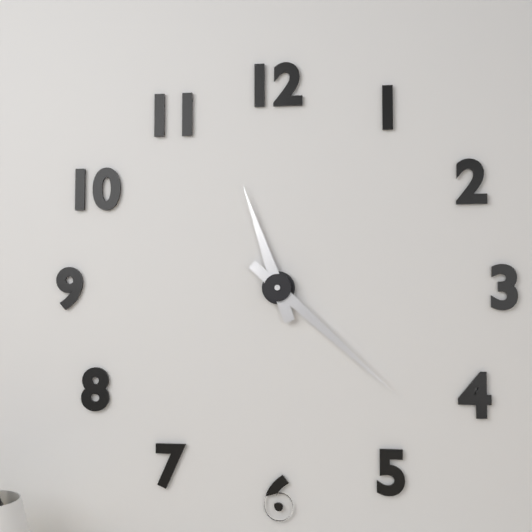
**11:22**
